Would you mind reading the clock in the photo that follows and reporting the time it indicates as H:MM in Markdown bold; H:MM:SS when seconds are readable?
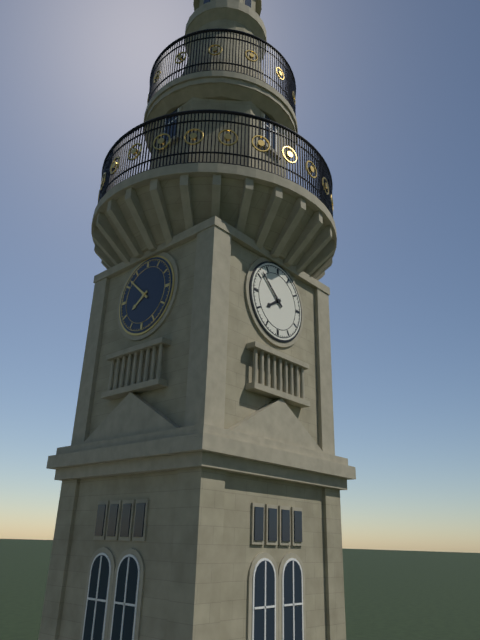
**7:52**
